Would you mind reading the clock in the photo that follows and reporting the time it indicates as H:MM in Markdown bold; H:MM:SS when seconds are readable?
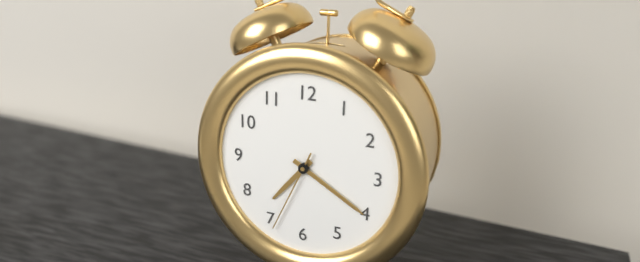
**7:20:34**
